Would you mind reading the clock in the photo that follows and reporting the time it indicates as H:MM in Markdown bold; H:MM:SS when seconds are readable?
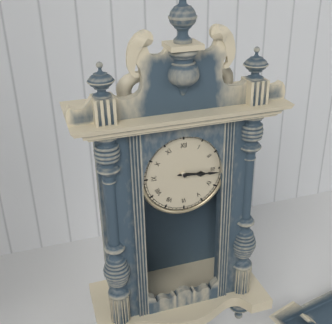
**3:16**
